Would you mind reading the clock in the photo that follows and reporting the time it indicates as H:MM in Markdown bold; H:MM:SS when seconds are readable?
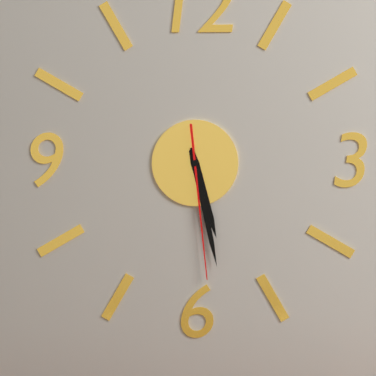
**5:28:29**
